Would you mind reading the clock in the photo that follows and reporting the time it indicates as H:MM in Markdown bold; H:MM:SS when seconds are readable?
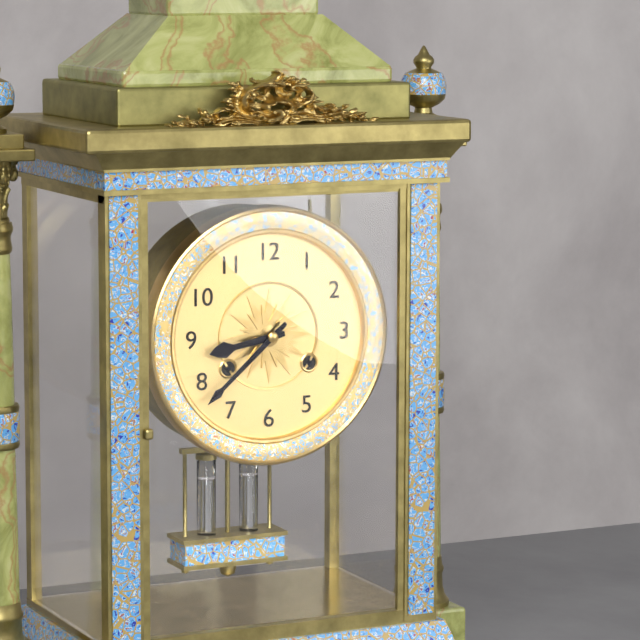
**8:38**
